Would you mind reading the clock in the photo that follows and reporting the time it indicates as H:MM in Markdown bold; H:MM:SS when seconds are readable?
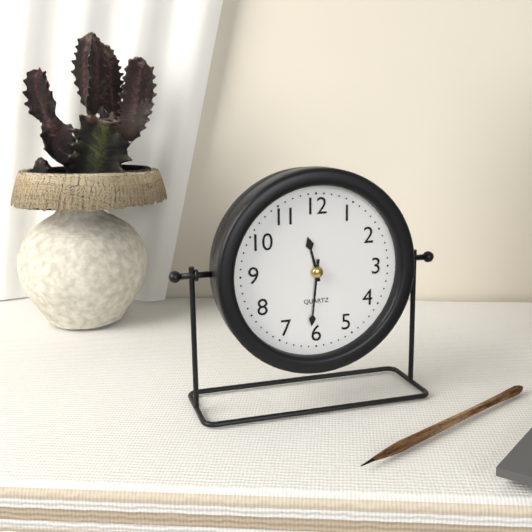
**11:31**
